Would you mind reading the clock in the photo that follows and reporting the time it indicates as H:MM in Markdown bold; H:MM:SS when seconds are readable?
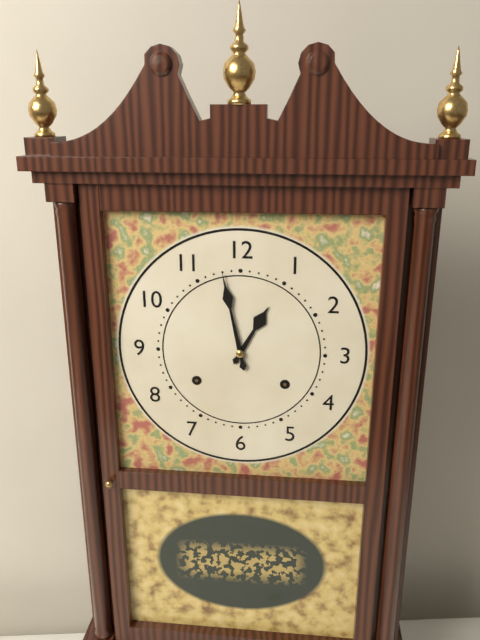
**12:58**
